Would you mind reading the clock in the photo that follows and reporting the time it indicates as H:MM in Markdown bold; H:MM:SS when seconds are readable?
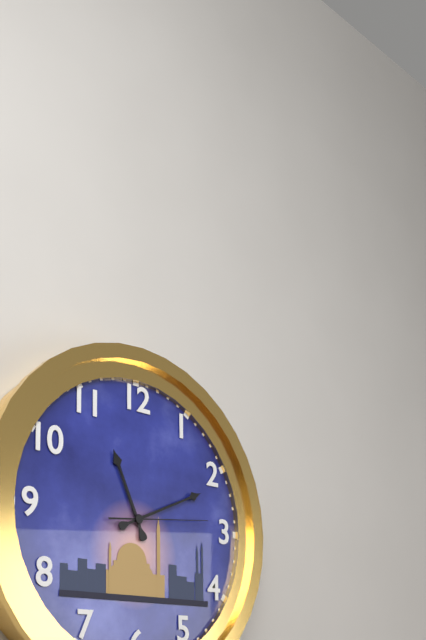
**11:11:14**
